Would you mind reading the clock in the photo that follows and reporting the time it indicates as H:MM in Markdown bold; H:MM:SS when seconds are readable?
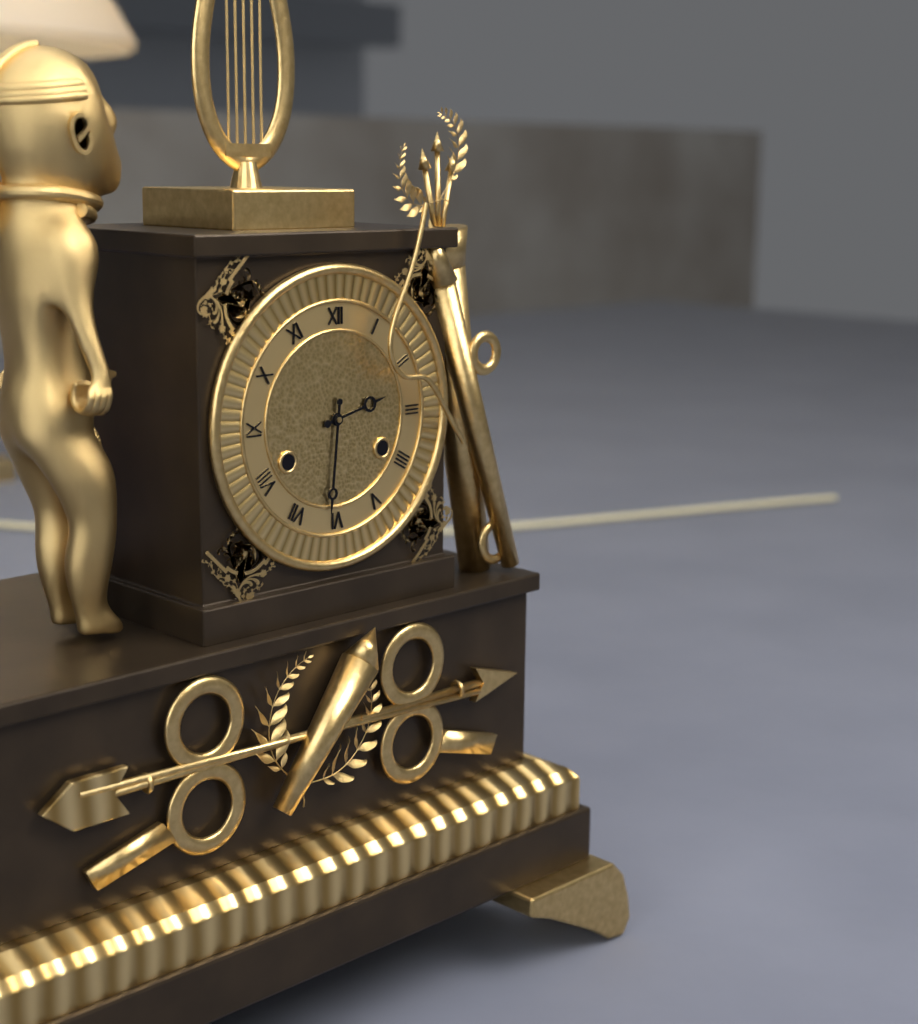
**2:31**
